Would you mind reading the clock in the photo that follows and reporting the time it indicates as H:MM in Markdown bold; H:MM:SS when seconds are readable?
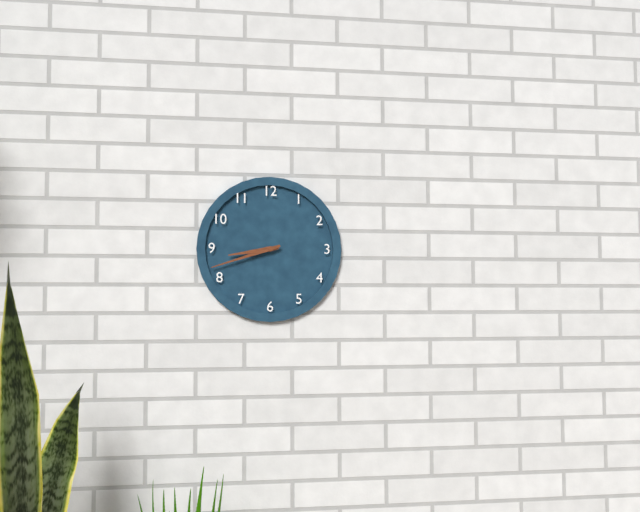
**8:42**
